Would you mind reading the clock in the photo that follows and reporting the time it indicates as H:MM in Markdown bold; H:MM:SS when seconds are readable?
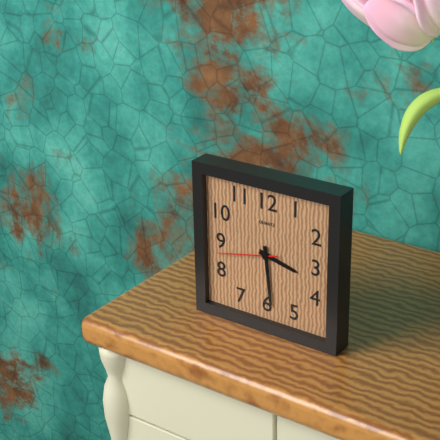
**3:29:43**
